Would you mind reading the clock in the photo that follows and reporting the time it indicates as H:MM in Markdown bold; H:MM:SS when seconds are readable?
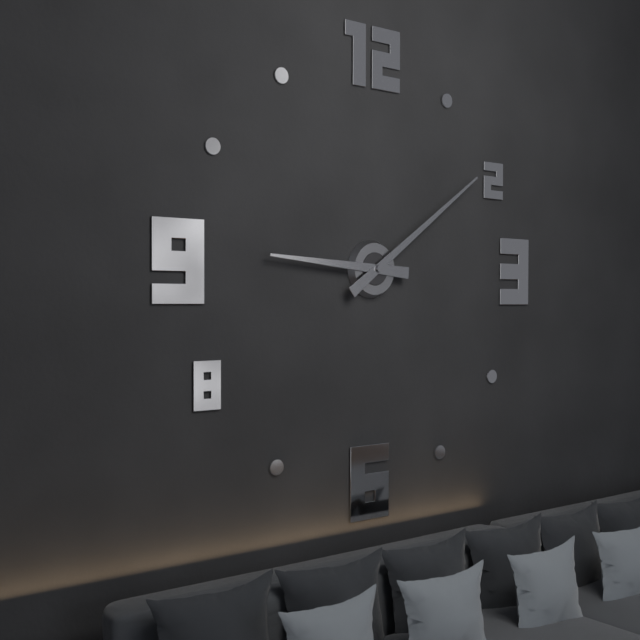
**9:09**
